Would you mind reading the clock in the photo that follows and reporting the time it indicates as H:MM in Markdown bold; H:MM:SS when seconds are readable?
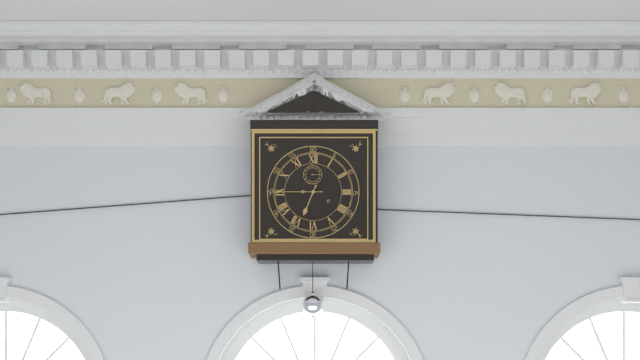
**6:45**
